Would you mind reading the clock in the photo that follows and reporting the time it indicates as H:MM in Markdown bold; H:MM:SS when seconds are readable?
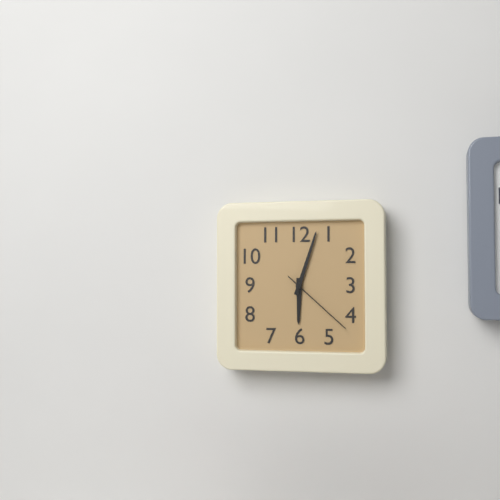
**6:03:22**
